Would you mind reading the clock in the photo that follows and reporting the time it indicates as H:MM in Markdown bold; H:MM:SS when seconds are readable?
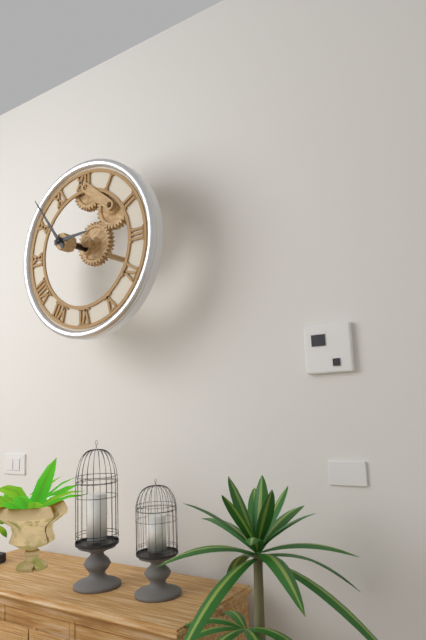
**2:54**
